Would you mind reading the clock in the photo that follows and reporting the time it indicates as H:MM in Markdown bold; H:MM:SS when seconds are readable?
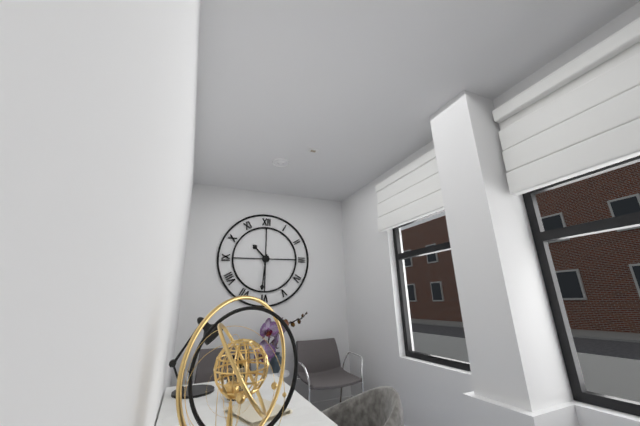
**10:31**
